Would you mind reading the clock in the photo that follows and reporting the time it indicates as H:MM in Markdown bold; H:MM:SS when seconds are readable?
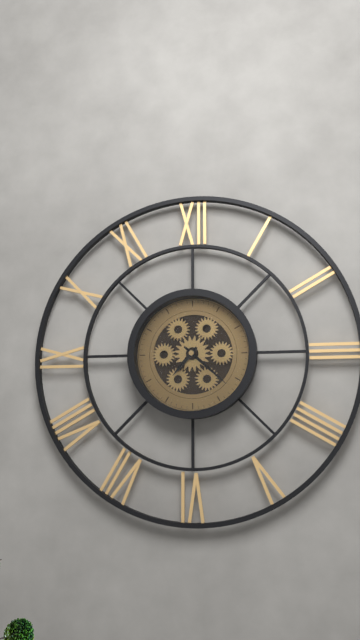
**7:22**
